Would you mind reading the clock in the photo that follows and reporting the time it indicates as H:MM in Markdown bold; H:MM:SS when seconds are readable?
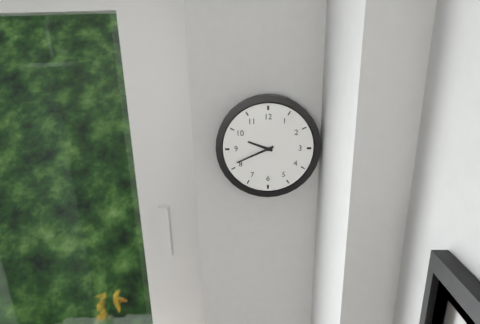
**9:41**
